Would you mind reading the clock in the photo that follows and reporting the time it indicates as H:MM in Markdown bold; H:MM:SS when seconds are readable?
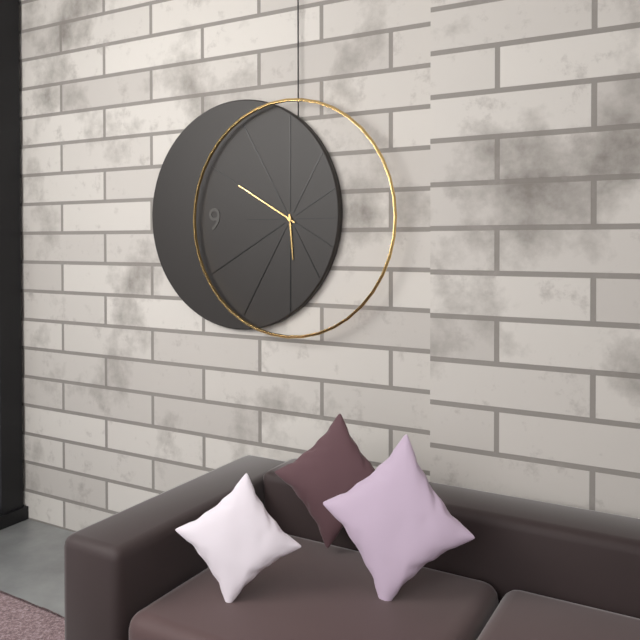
**5:50**
